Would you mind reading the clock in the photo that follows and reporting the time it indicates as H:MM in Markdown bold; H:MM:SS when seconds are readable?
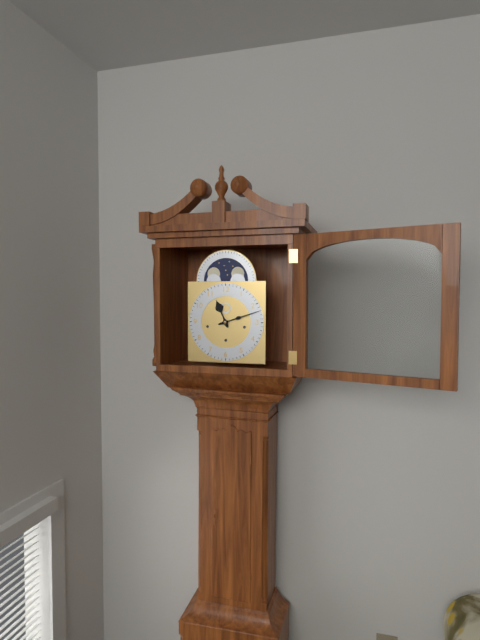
**11:12**
